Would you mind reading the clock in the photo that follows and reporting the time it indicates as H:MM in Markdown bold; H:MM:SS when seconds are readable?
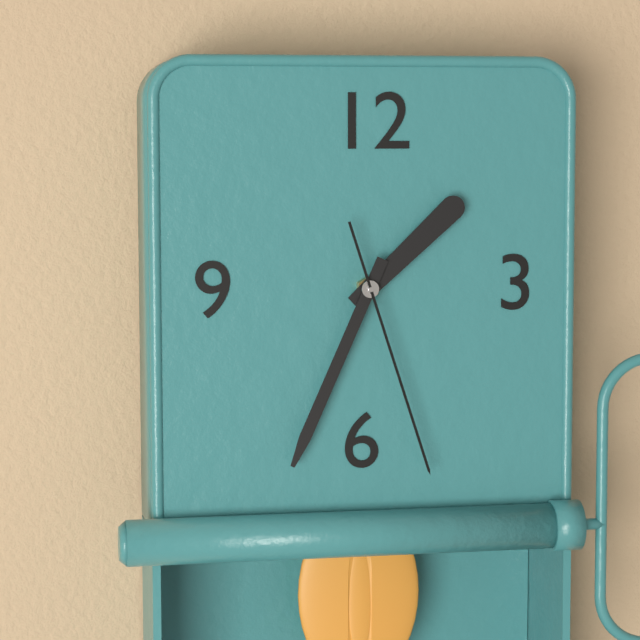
**1:34:27**
